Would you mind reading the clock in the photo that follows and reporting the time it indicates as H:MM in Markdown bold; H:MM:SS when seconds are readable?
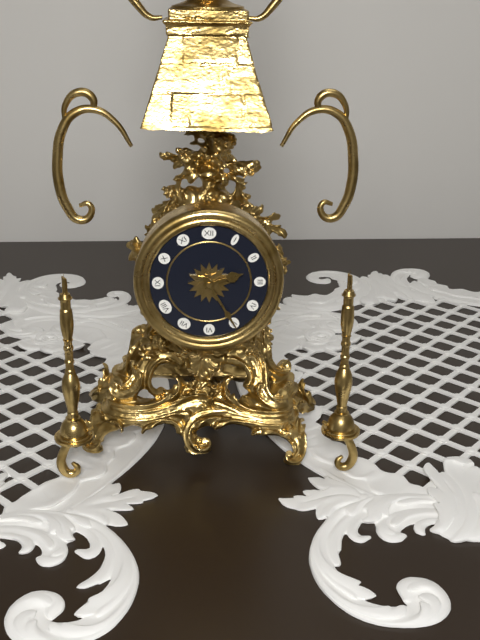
**2:25**
